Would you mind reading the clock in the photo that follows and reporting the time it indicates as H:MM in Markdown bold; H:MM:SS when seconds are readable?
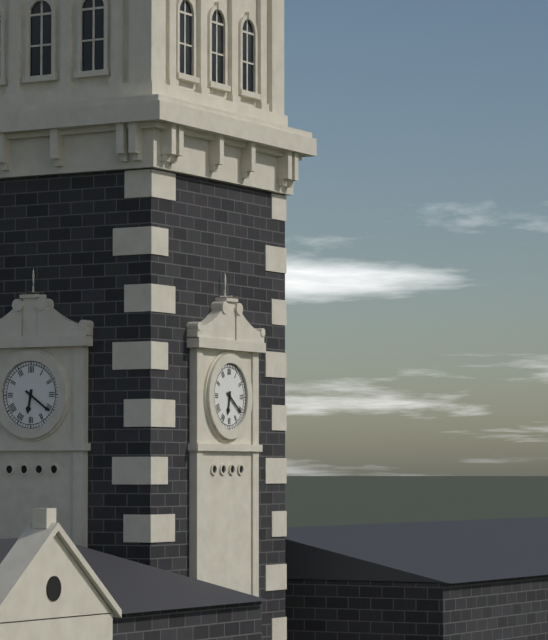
**6:21**
